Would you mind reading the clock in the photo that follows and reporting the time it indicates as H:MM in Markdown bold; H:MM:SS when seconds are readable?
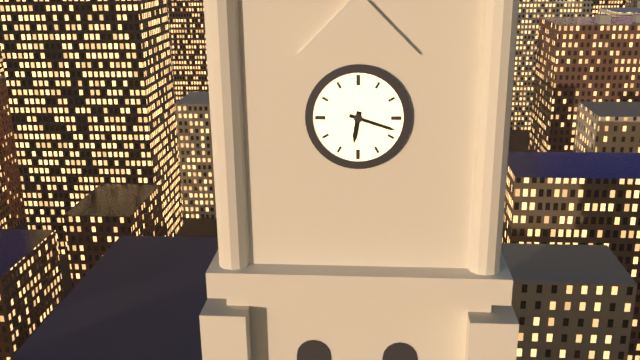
**6:18**
